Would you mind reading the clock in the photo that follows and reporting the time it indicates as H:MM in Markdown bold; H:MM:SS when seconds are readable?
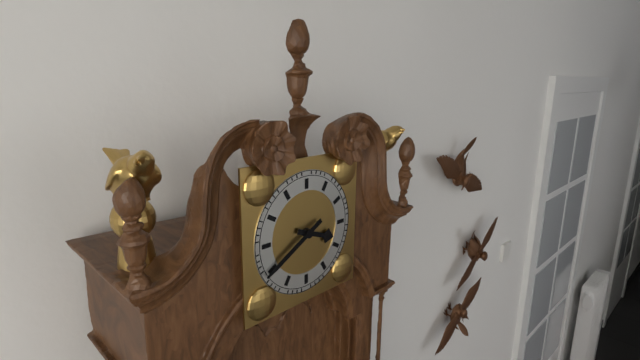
**3:40**
